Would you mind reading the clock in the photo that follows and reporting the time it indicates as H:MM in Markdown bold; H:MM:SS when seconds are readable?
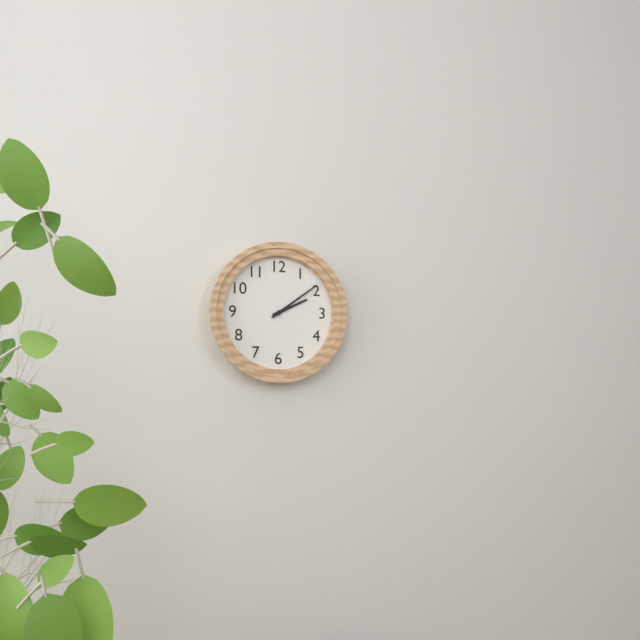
**2:09**
